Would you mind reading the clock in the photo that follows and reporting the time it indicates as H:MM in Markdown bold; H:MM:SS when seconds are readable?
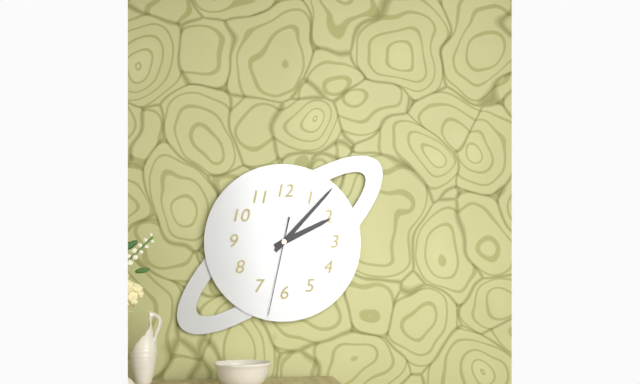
**2:07:32**
